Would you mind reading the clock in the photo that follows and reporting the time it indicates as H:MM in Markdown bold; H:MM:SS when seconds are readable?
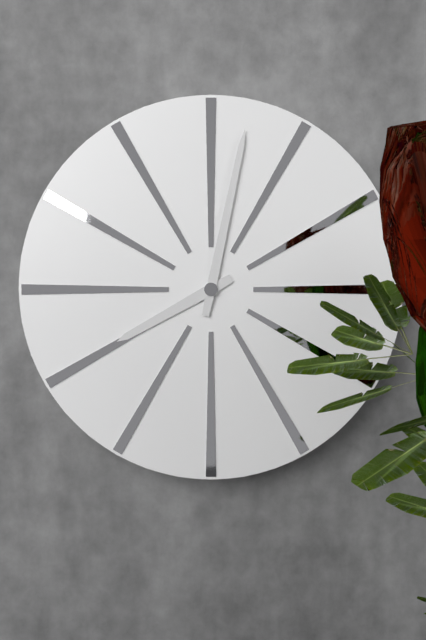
**8:02**
